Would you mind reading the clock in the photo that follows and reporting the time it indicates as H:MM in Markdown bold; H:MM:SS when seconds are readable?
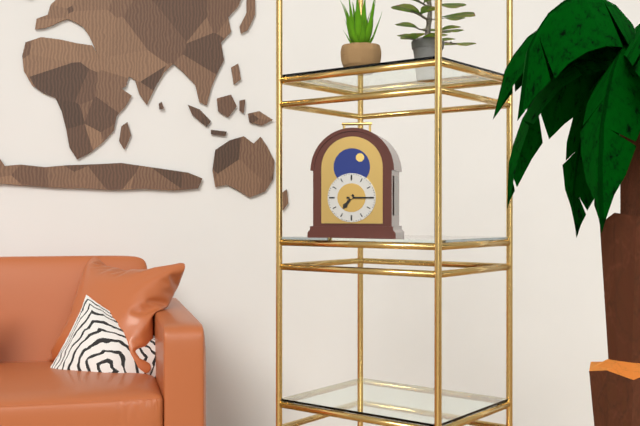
**7:15**
